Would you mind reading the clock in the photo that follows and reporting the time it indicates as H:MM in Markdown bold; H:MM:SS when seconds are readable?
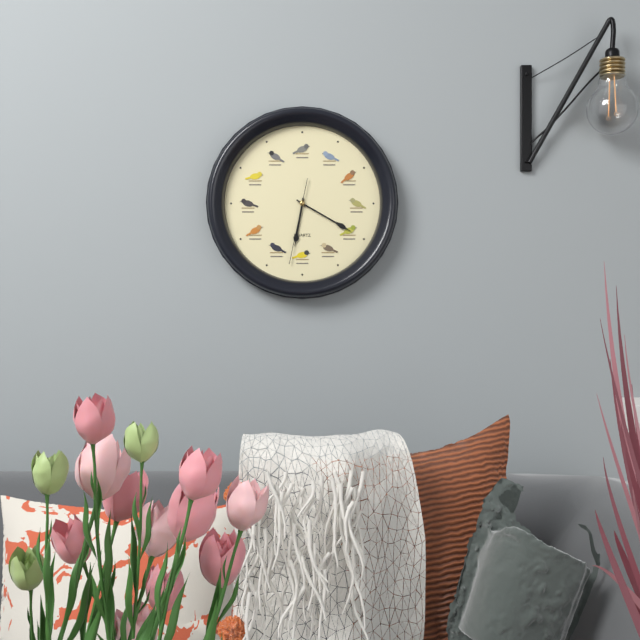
**6:20:32**
